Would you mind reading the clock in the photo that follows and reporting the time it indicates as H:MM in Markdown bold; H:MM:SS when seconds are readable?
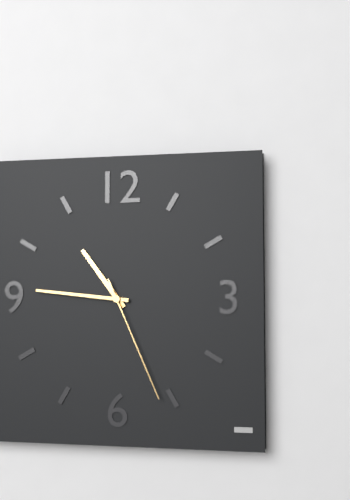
**10:46:26**
